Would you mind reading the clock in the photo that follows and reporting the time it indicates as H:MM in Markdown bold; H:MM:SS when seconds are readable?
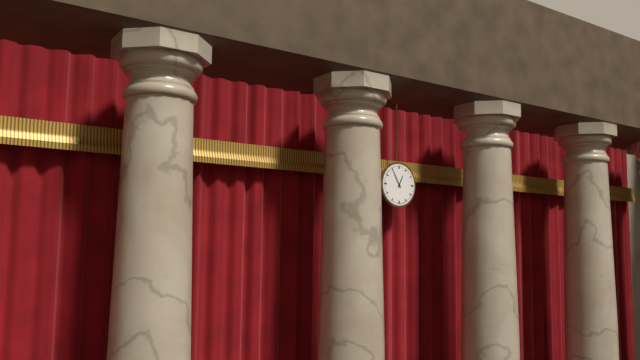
**12:55**
